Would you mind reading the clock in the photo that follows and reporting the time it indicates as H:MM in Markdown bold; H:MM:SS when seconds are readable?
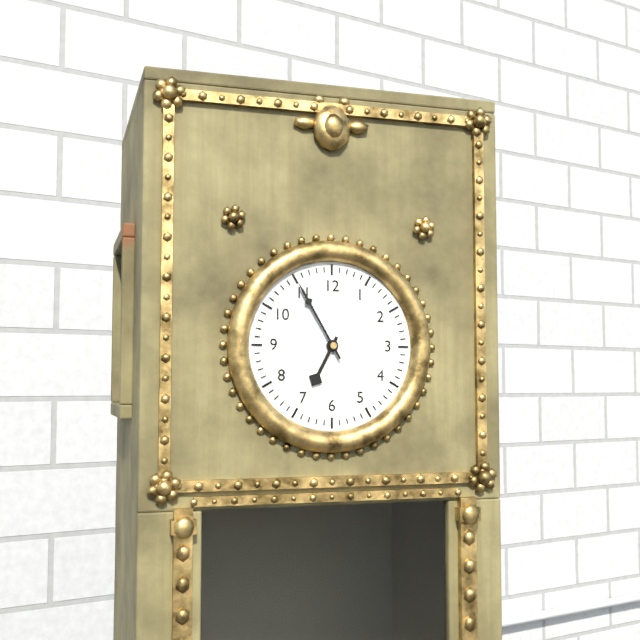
**6:55**
